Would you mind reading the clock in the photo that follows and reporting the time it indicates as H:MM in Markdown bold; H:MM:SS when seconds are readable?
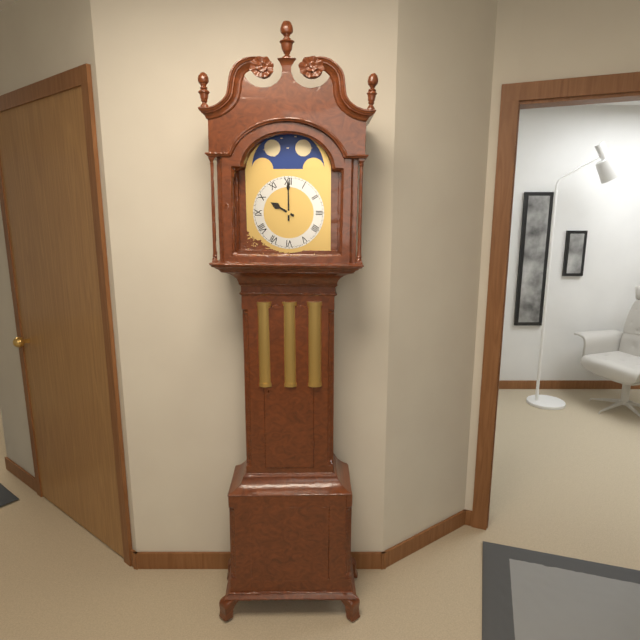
**10:00**
